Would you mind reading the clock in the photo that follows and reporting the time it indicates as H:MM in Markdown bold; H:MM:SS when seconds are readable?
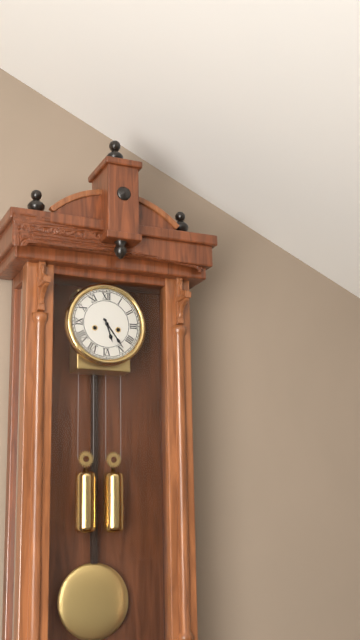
**5:24**
